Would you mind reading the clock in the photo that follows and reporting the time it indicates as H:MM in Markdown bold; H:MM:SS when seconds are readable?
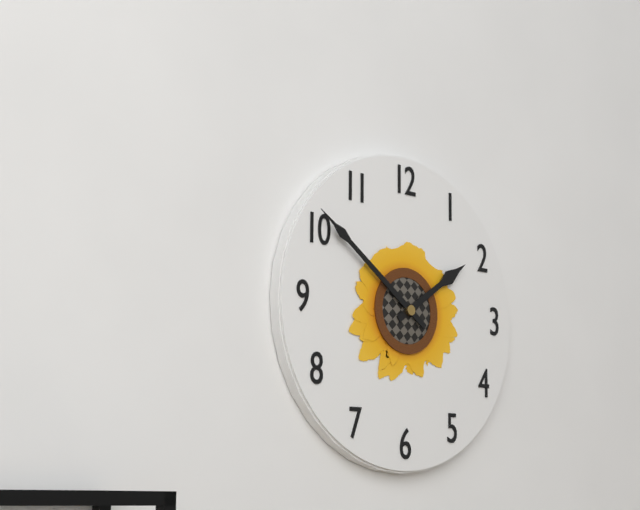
**1:51**
